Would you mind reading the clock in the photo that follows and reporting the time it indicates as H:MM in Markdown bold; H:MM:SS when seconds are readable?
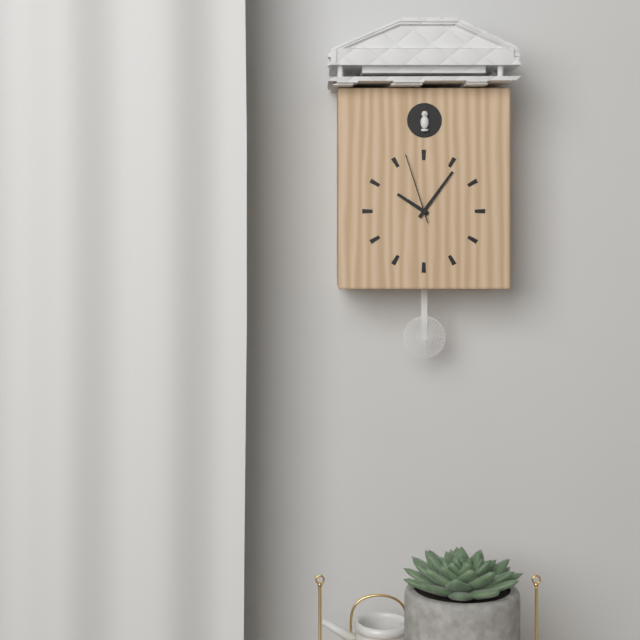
**10:06:57**
